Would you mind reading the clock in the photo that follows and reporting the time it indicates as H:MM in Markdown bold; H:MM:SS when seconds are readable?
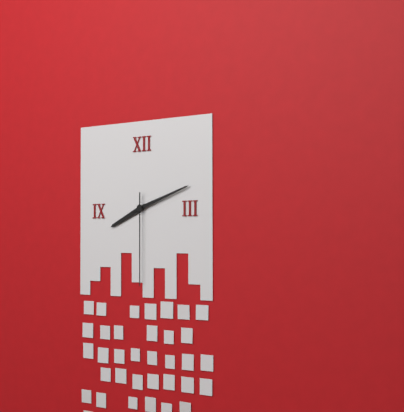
**8:12:30**
